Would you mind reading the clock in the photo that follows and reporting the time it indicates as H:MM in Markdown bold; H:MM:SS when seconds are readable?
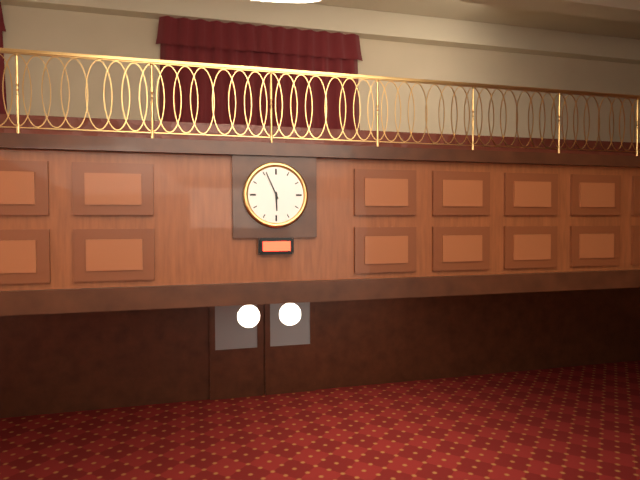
**5:56**
